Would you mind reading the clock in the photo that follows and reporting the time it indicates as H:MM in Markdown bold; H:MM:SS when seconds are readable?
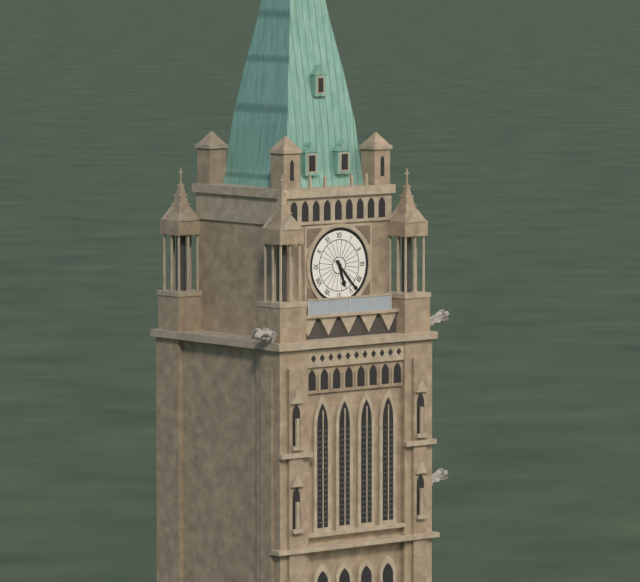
**5:23**
